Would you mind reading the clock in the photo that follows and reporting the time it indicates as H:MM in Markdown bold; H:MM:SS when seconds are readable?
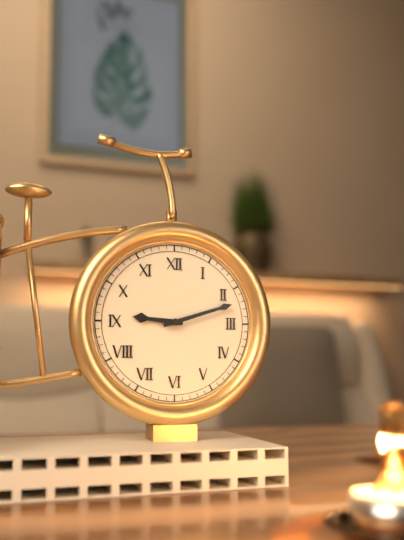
**9:12**
